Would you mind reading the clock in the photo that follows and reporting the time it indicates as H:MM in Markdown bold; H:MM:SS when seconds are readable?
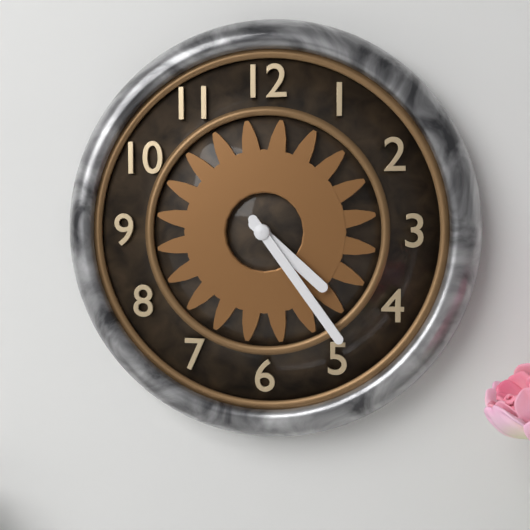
**4:24**
